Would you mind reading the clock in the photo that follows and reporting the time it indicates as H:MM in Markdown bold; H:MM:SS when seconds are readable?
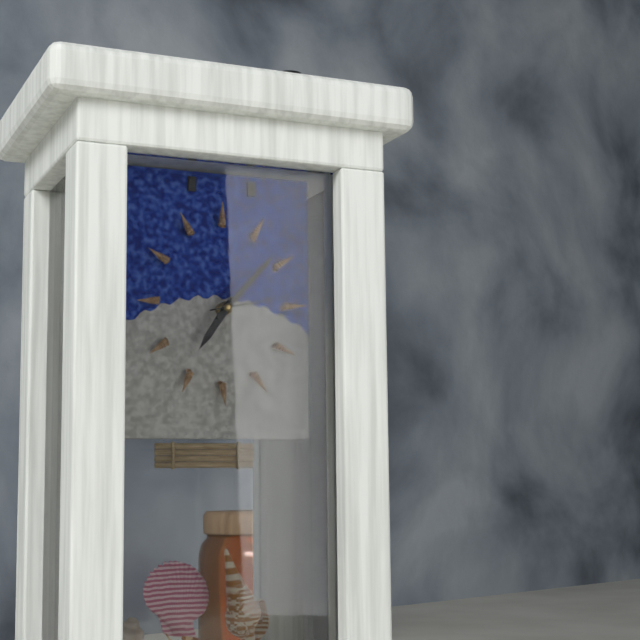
**7:07:13**
